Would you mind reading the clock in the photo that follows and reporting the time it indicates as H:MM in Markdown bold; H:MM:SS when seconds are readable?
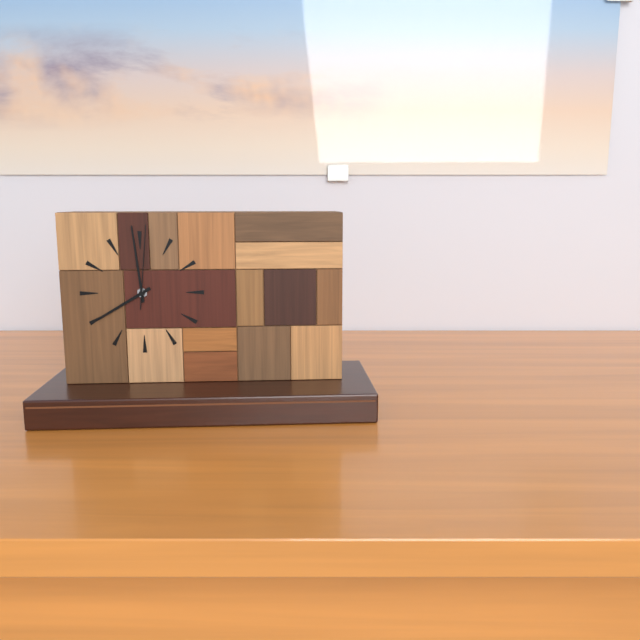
**7:59:01**
